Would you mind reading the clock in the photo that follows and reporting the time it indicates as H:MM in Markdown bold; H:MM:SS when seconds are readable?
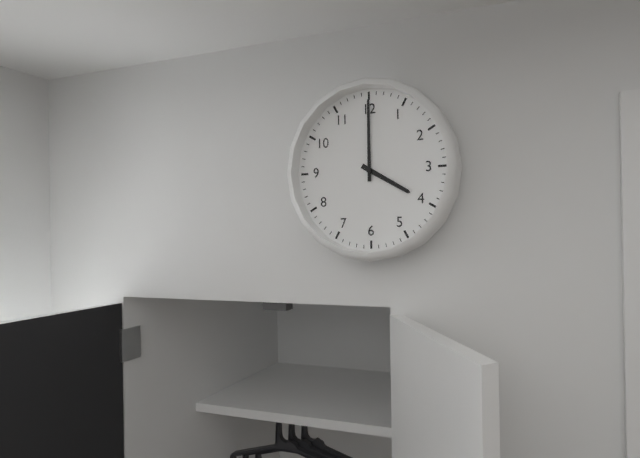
**4:00**
